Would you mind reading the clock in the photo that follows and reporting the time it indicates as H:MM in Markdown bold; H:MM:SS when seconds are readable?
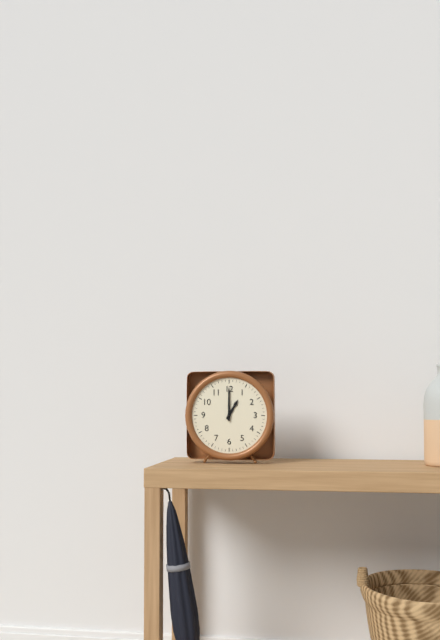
**1:00**
